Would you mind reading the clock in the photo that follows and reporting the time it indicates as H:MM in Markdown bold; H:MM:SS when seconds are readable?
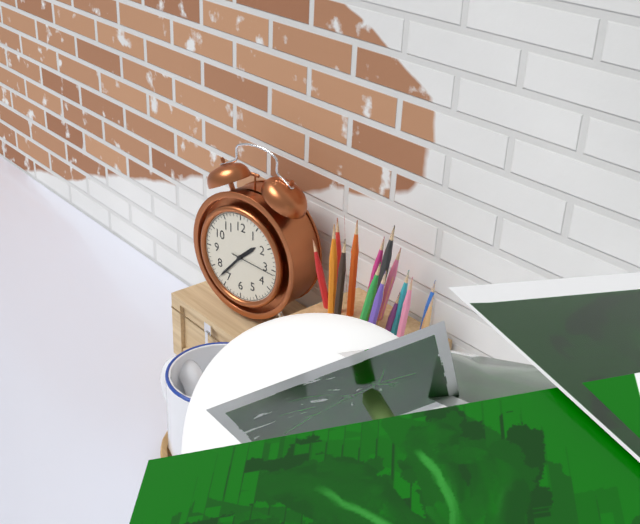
**1:37**
